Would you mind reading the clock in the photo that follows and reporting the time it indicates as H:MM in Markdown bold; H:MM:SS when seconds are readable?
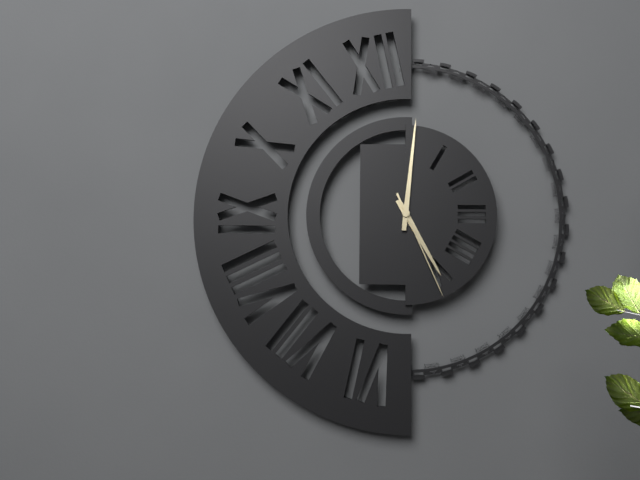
**5:01:26**
